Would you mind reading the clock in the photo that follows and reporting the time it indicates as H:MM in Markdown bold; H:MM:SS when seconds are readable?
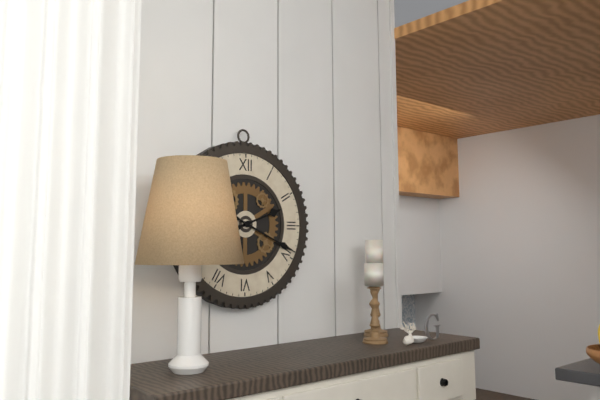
**2:19**
